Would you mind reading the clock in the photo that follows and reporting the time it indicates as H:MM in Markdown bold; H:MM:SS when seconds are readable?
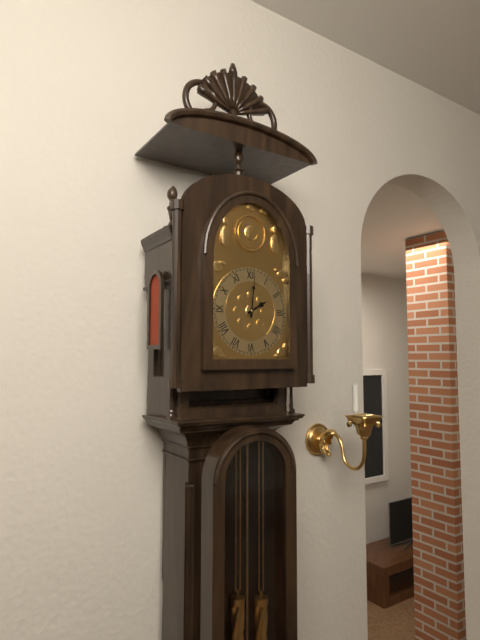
**2:01**
